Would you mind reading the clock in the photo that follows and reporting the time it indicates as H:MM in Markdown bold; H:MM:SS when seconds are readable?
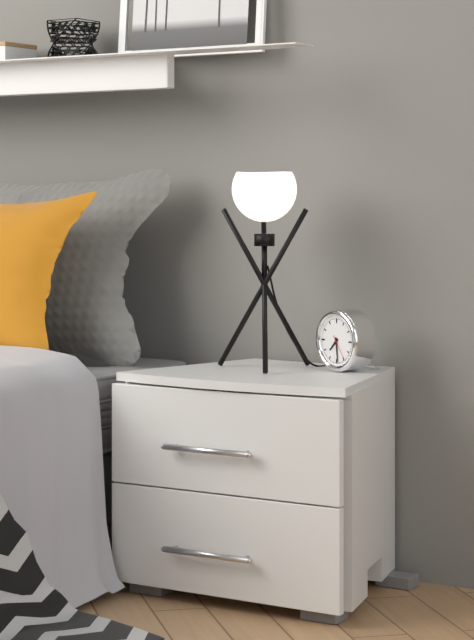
**7:29**
